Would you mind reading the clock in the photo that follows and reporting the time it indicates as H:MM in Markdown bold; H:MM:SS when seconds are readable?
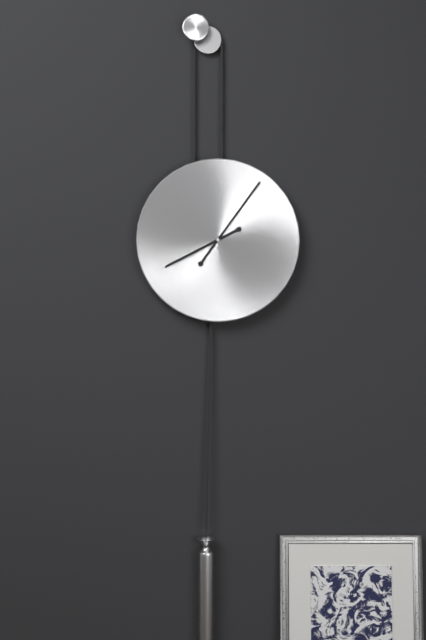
**8:06**
